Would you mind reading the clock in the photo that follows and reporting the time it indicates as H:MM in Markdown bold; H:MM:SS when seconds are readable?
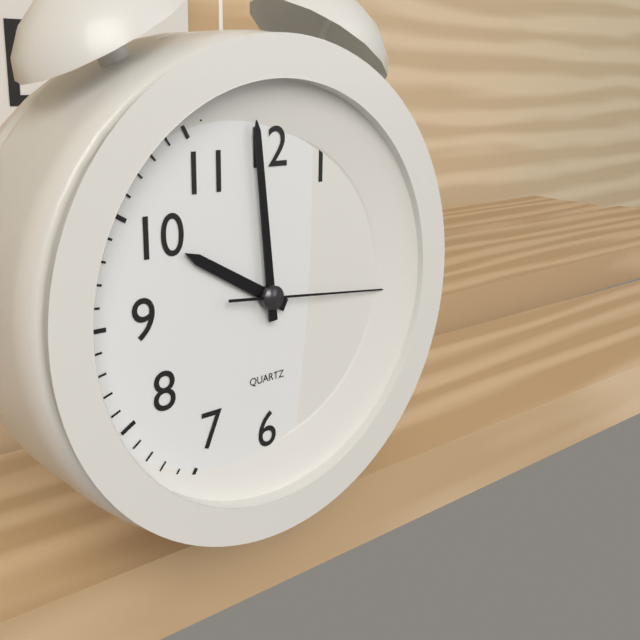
**9:59:16**
